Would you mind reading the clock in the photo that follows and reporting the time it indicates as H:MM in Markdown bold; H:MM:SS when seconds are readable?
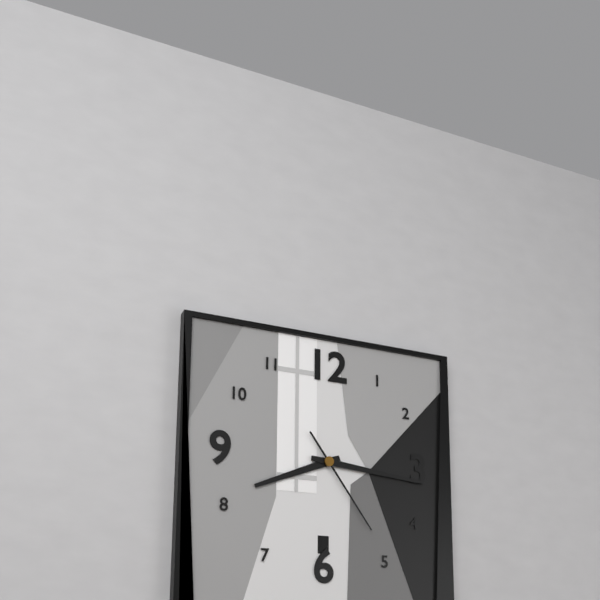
**8:16:24**
